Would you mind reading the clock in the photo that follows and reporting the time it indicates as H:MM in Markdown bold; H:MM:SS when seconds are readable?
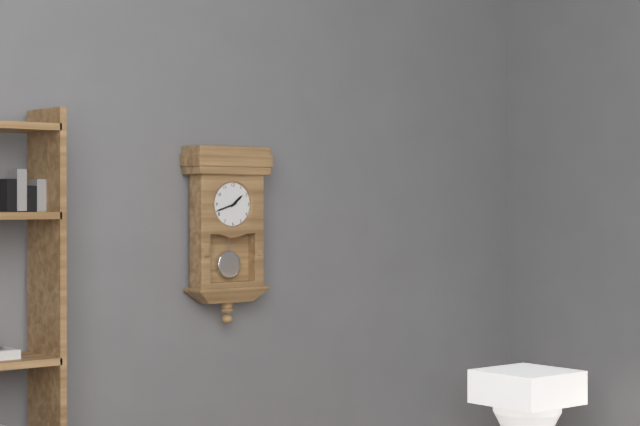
**1:42**
